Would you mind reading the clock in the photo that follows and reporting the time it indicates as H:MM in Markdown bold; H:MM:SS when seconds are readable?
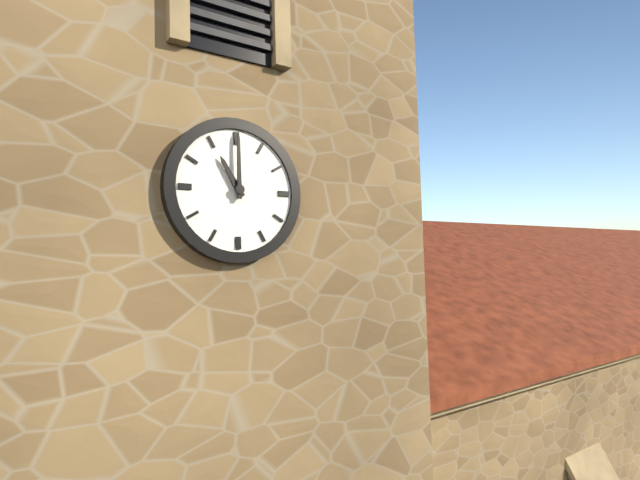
**11:00**
